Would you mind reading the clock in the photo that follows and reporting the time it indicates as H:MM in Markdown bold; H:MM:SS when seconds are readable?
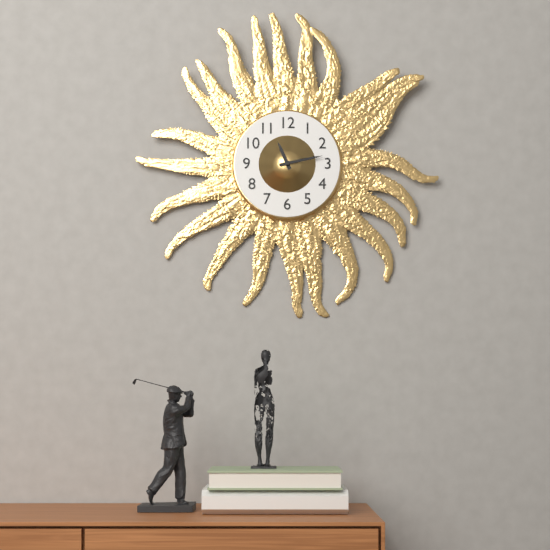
**11:13**
